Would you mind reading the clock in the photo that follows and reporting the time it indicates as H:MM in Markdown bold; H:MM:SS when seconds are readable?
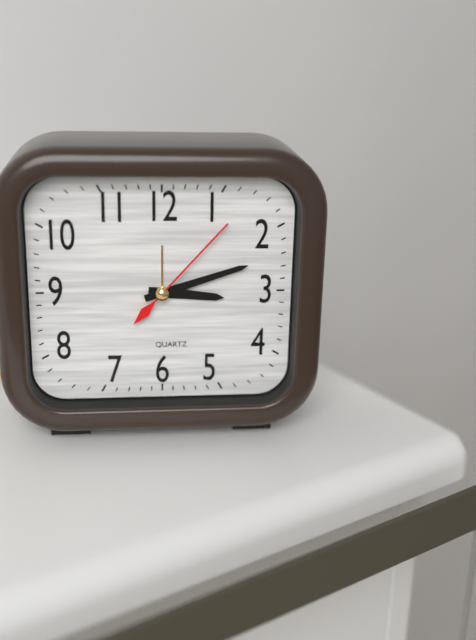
**3:12:07**
